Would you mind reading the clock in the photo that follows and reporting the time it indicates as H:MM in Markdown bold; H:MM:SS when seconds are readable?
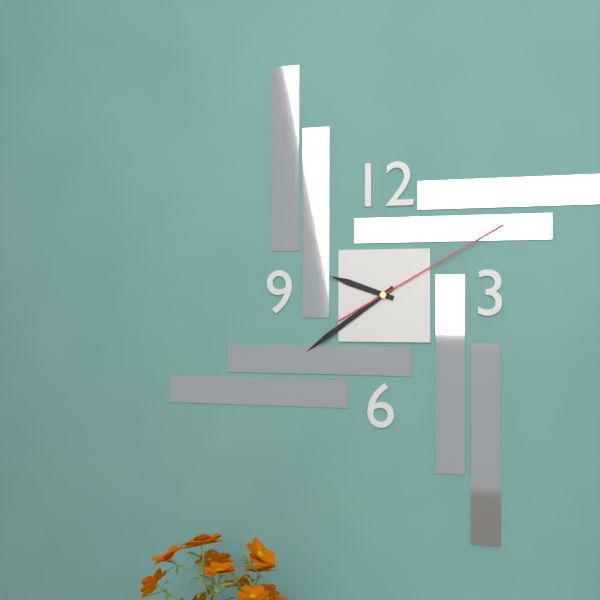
**9:39:10**
